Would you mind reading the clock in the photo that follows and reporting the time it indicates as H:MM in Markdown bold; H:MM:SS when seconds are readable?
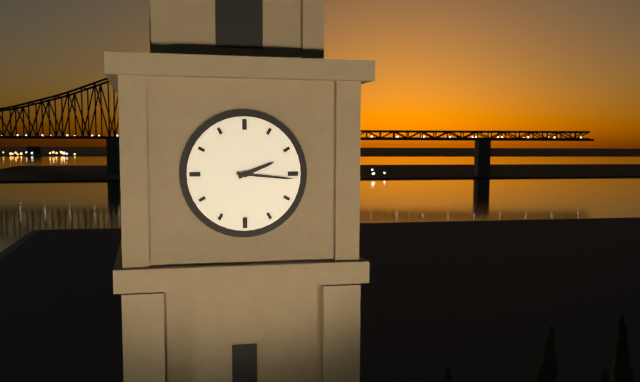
**2:16**
